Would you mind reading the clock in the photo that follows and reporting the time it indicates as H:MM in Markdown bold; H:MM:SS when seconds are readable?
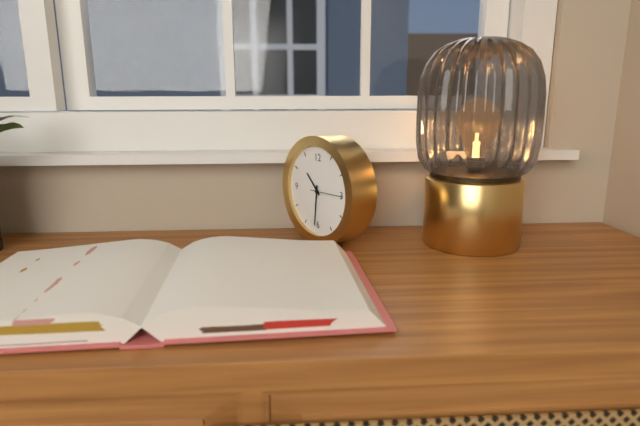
**10:31**
